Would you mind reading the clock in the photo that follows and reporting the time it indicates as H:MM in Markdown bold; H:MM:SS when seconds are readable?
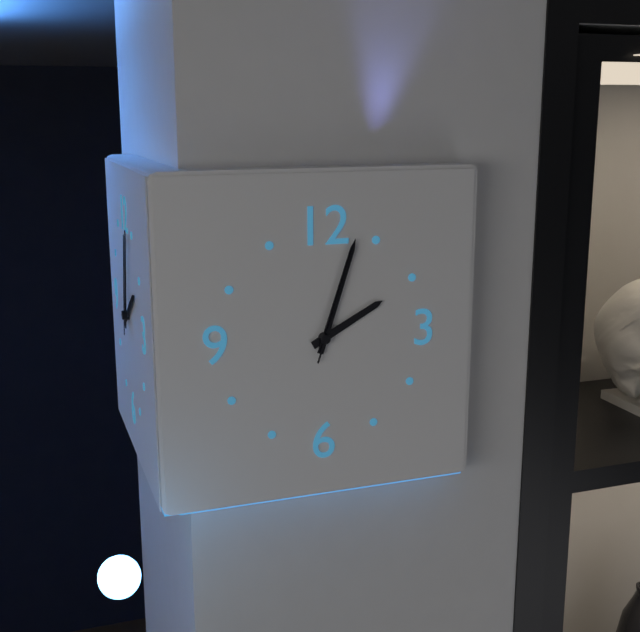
**2:03:03**
